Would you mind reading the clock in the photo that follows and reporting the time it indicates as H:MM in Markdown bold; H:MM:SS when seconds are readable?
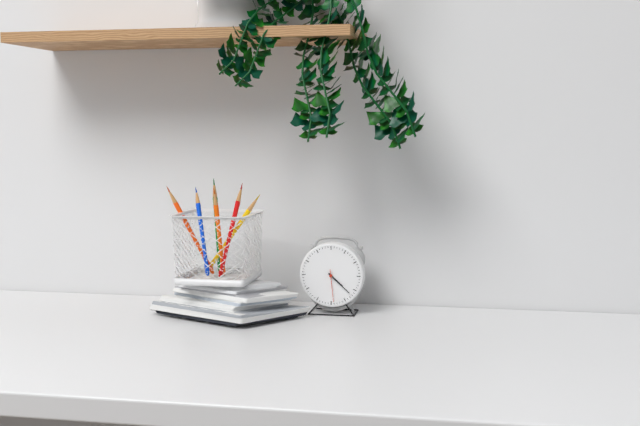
**4:22**
